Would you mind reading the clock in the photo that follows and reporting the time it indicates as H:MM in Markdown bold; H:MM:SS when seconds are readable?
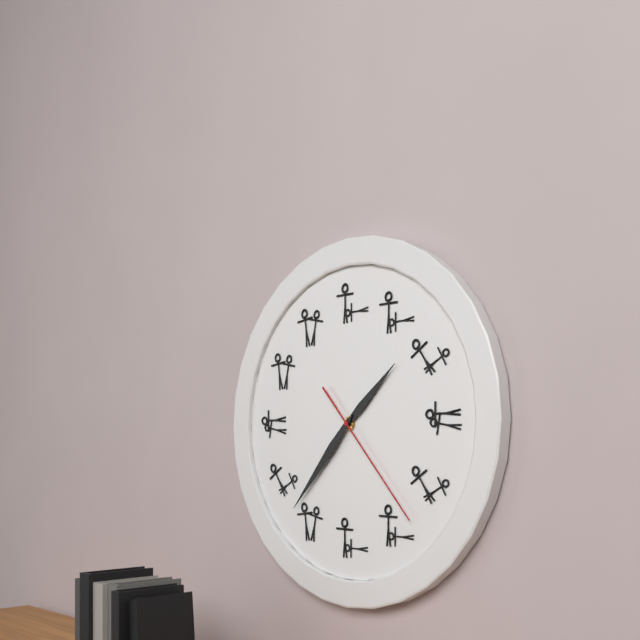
**1:37:23**
